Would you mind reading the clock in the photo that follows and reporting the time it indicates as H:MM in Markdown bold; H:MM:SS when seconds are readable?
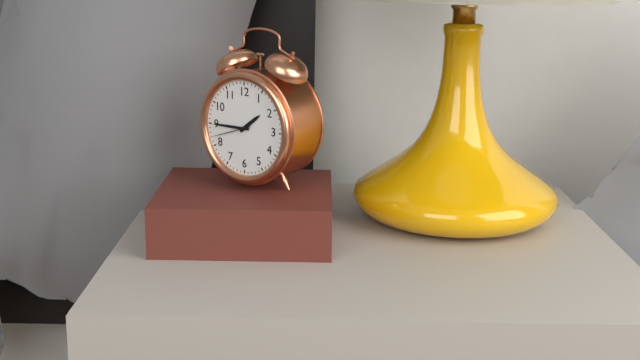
**1:45**
